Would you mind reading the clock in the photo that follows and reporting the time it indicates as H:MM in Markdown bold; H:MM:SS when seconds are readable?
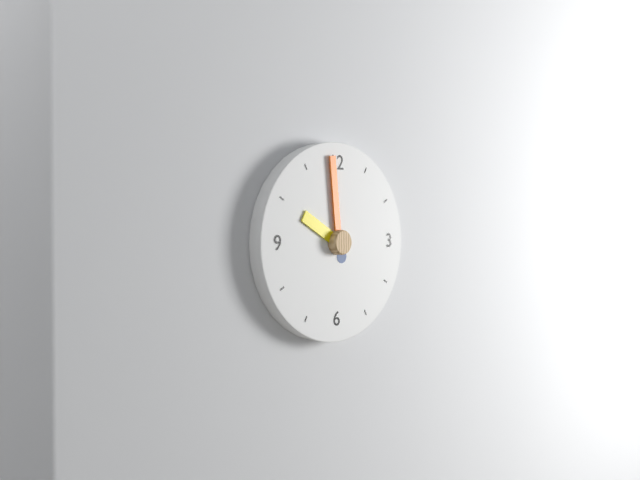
**9:59**
